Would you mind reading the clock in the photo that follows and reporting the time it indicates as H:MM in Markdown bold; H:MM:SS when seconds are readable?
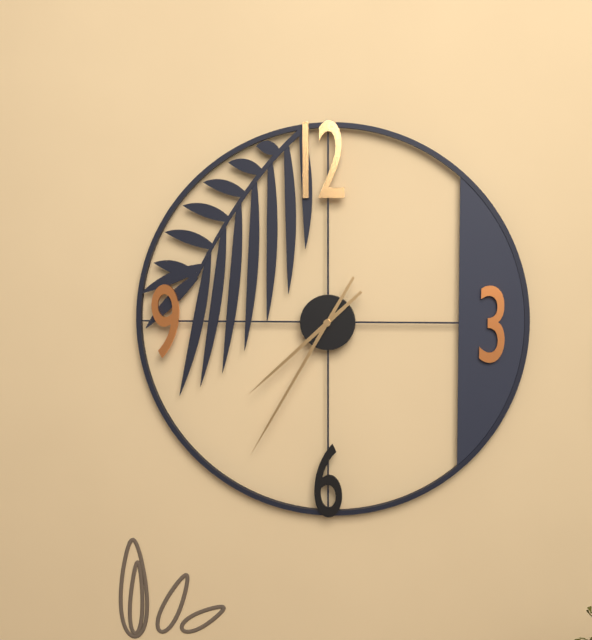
**7:35**
